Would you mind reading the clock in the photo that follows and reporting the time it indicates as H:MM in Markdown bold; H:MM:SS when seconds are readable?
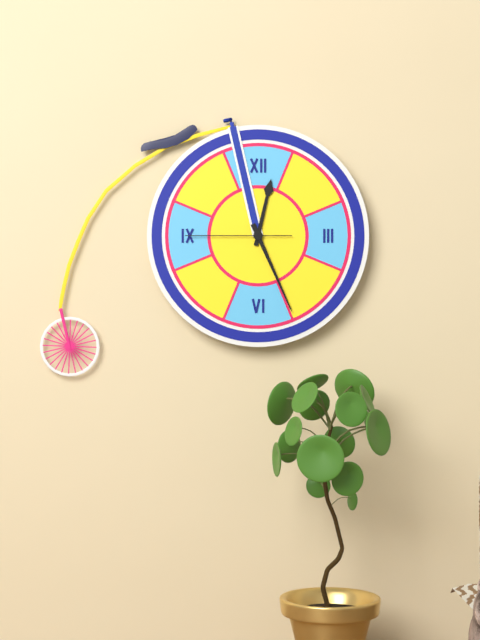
**12:26:45**
